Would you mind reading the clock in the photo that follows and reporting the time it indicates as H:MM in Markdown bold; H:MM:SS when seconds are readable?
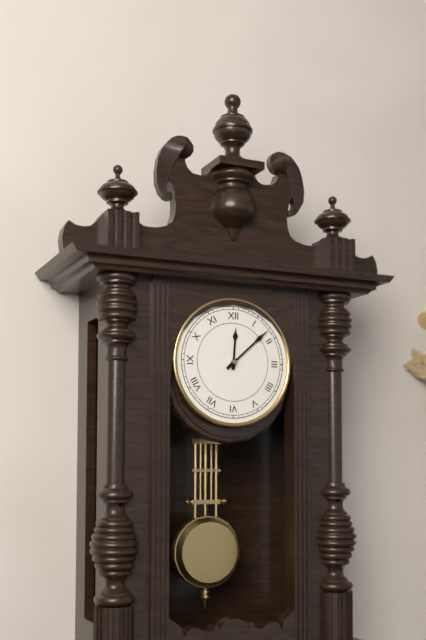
**12:08**
